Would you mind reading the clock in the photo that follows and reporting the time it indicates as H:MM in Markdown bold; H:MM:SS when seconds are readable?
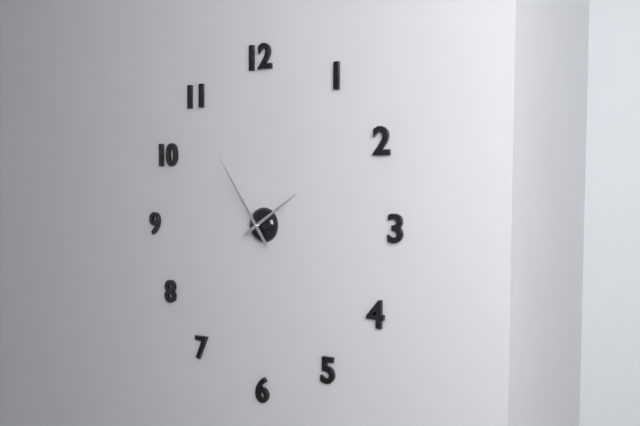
**1:54**
